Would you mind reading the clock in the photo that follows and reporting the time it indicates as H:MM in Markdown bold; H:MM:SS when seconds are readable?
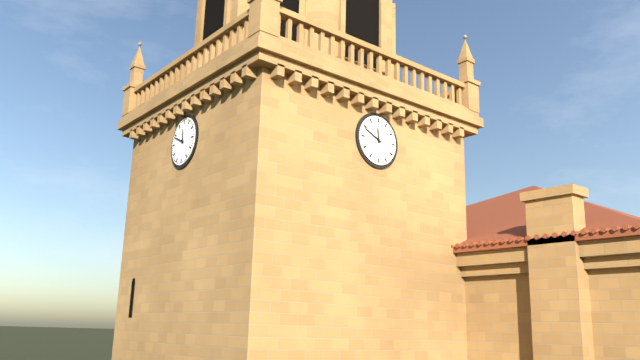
**11:49**
